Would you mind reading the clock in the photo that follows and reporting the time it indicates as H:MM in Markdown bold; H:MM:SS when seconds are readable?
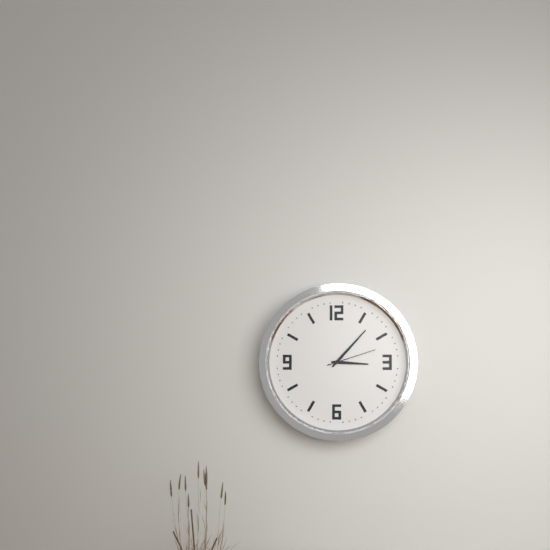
**3:07:12**
